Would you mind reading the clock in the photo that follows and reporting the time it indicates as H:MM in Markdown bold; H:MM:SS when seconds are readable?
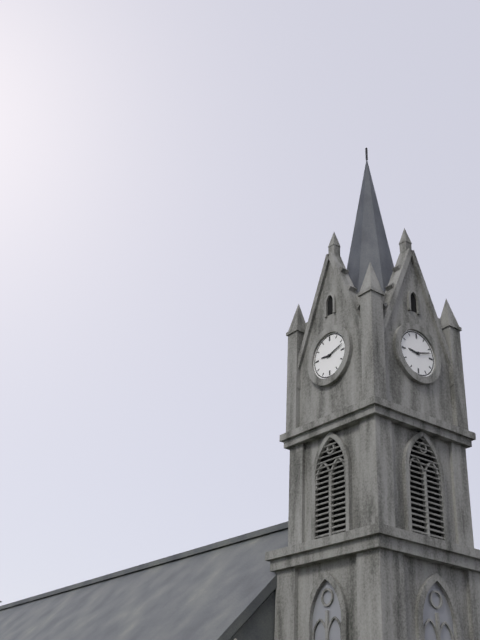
**9:12**
